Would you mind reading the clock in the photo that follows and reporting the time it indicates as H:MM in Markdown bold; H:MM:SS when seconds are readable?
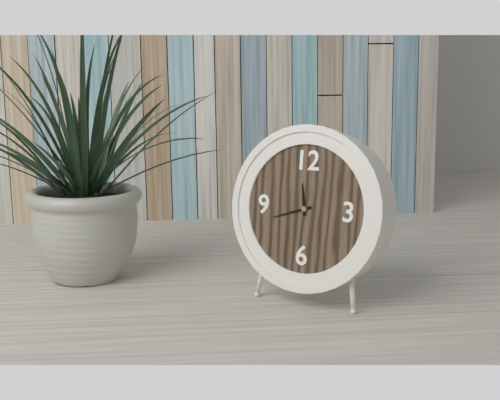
**11:42**
